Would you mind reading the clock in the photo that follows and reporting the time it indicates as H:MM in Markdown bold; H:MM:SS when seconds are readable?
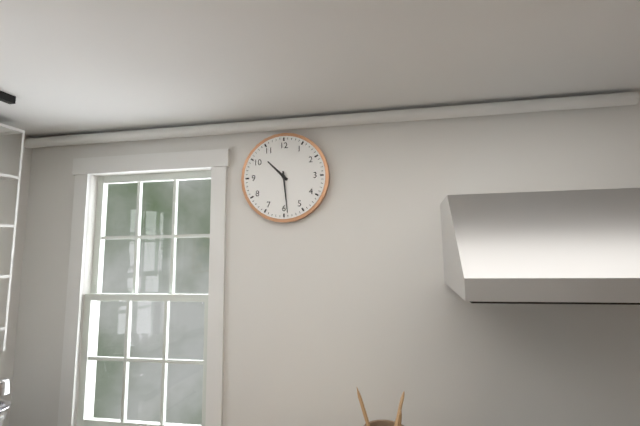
**10:29**
